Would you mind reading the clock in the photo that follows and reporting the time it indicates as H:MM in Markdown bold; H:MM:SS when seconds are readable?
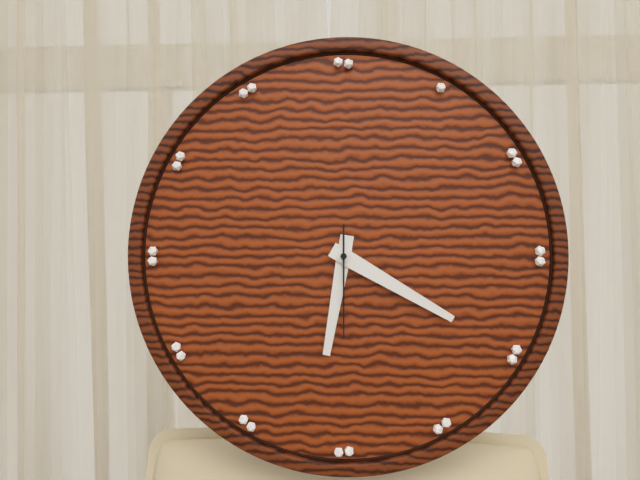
**6:20:30**
